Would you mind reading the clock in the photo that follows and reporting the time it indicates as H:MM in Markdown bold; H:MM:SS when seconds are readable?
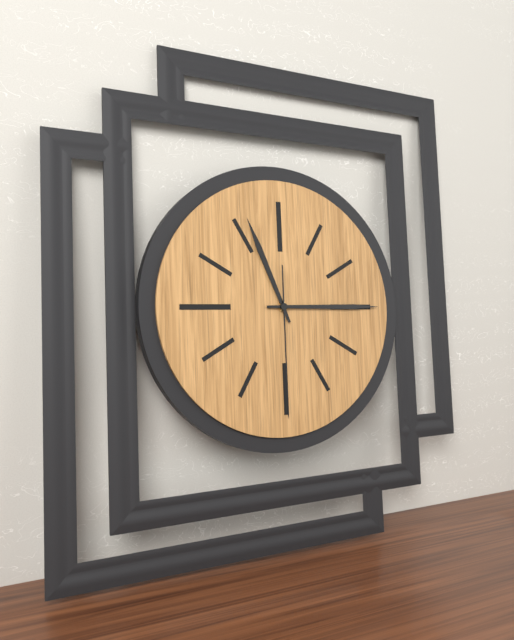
**11:15:30**
